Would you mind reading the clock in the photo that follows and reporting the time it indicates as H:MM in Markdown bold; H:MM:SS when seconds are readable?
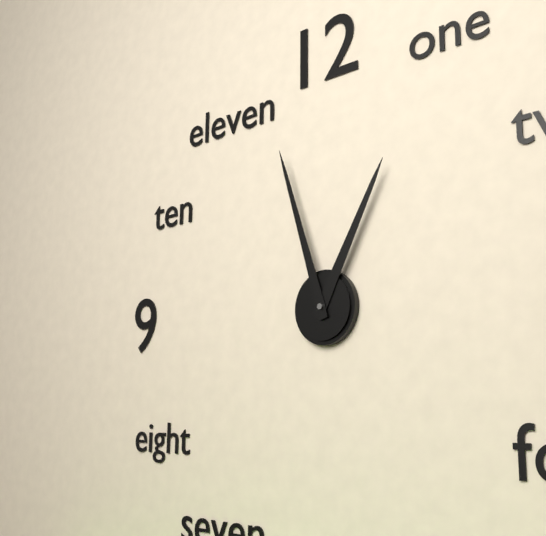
**12:57**
